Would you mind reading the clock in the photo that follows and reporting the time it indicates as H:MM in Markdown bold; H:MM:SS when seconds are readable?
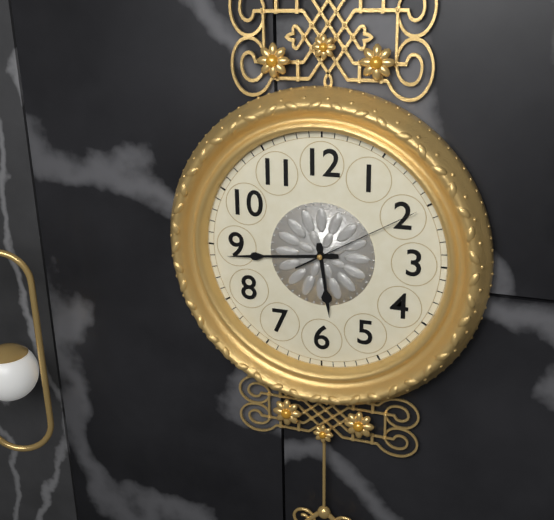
**5:44:10**
